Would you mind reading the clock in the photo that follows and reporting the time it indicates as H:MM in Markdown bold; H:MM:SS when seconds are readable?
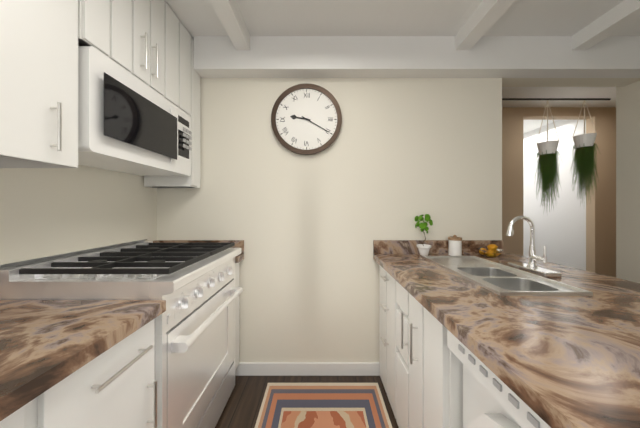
**9:20**
